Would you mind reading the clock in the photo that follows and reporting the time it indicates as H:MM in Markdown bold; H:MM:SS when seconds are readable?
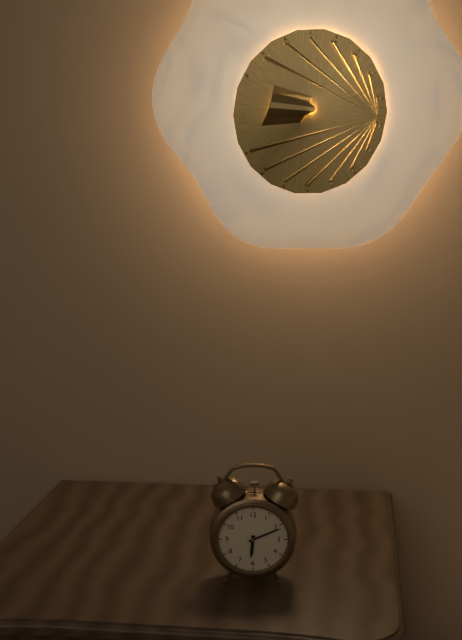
**6:11**
